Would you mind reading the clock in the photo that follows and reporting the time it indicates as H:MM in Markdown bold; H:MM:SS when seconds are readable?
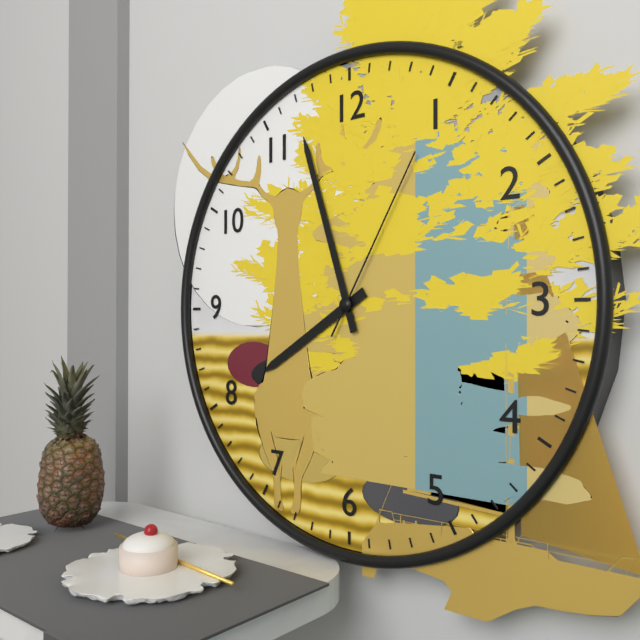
**7:57:05**
